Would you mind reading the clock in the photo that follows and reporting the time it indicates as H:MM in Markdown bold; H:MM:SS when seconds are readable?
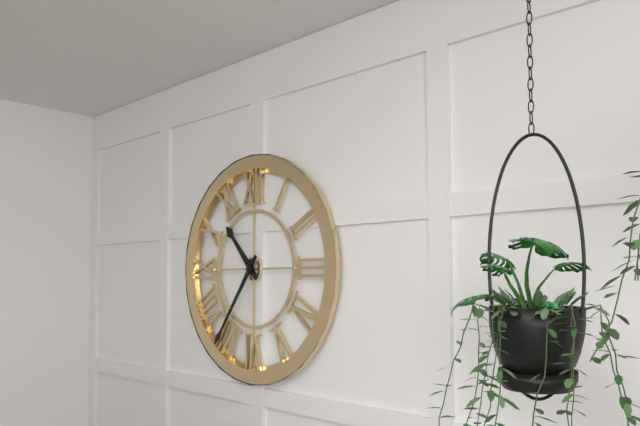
**10:36**
